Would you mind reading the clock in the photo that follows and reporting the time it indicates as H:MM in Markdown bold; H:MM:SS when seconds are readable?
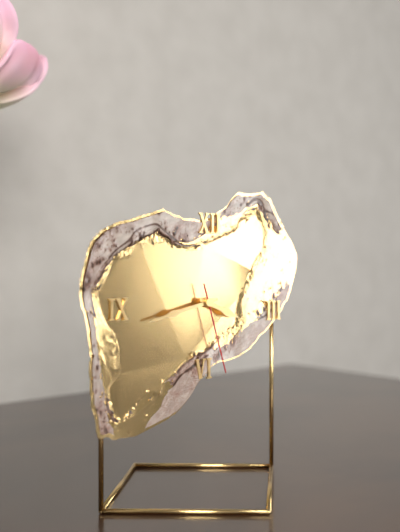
**3:43:27**
